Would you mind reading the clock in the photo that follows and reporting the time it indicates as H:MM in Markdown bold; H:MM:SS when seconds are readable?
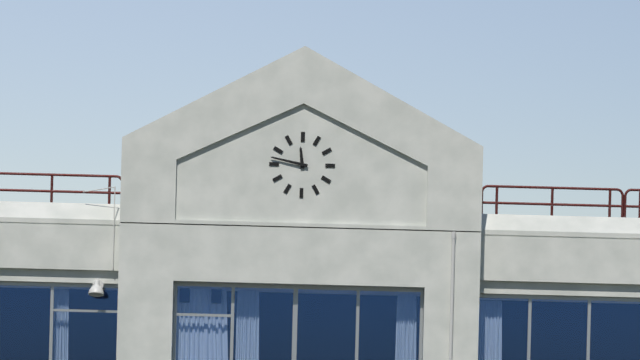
**11:47**
